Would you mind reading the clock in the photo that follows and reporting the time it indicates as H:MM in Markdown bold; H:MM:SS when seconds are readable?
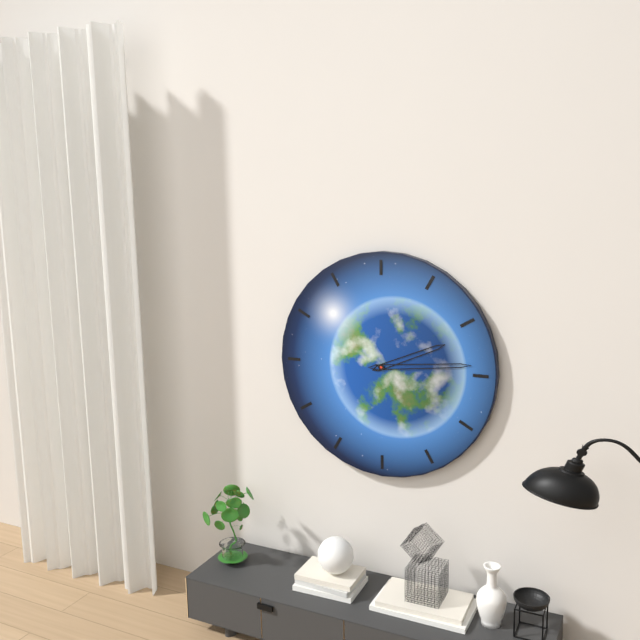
**2:14**
